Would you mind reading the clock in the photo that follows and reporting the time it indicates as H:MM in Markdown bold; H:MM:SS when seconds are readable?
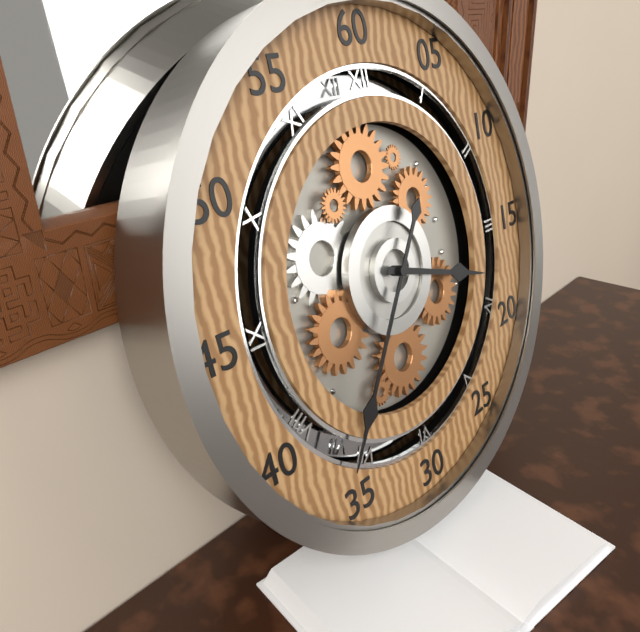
**3:36**
